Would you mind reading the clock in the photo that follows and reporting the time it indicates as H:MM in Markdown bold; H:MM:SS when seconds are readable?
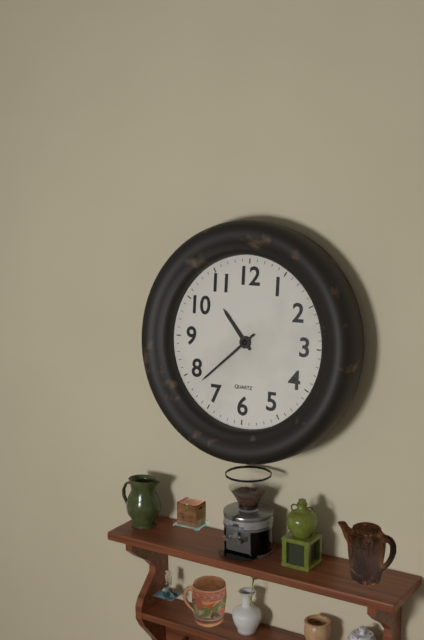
**10:38**
